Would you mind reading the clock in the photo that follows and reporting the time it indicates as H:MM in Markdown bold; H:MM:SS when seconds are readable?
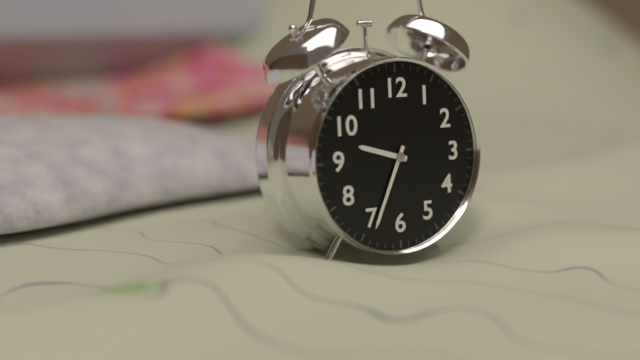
**9:34**
